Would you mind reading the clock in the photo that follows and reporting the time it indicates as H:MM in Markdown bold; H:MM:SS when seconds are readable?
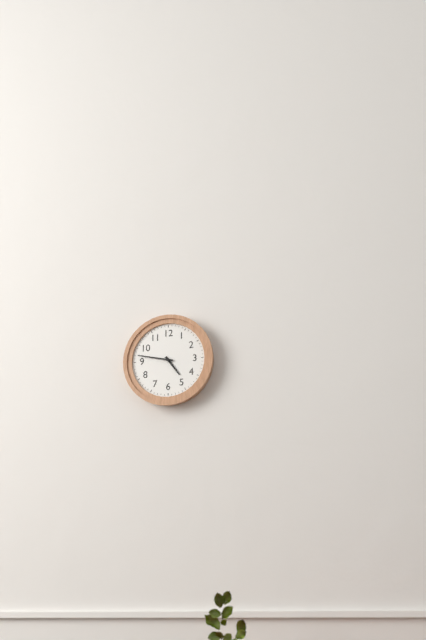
**4:47**
